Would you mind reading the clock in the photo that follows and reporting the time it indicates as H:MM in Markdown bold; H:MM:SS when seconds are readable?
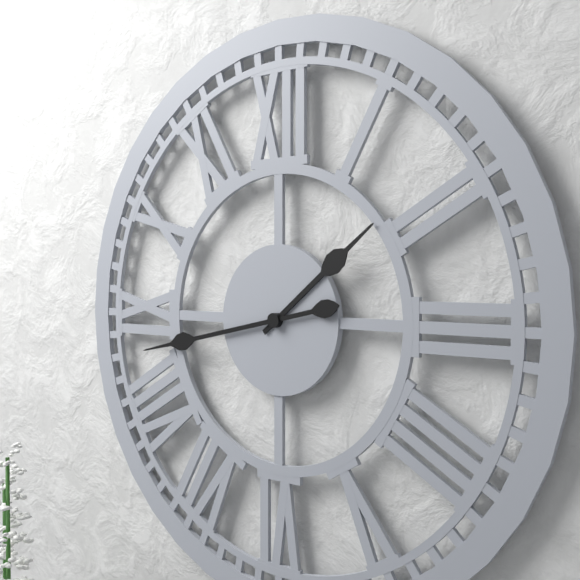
**1:43**
